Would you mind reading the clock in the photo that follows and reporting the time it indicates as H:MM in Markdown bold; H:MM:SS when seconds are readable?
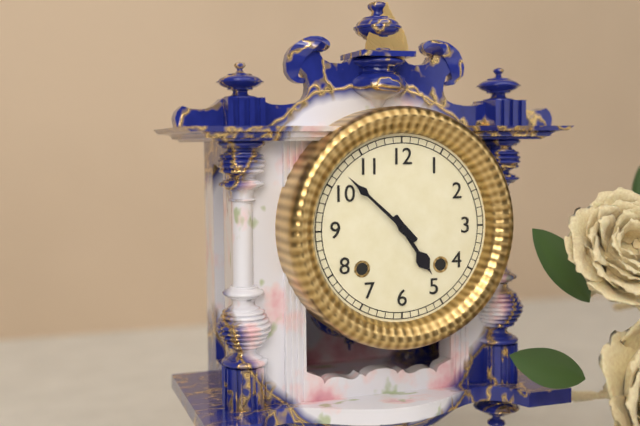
**4:52**
